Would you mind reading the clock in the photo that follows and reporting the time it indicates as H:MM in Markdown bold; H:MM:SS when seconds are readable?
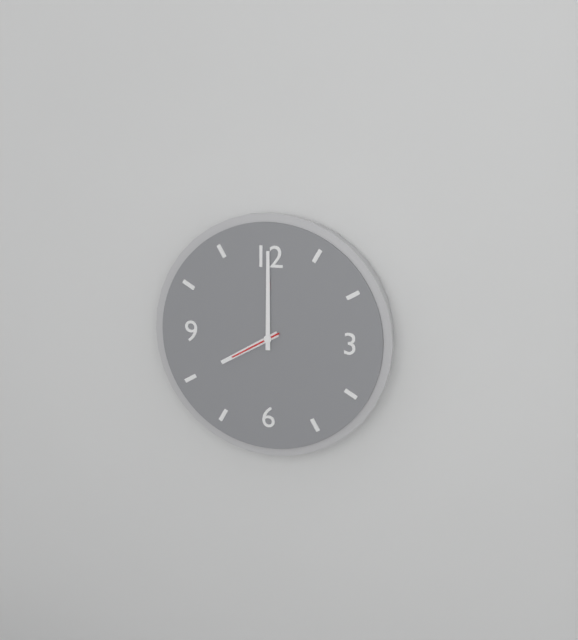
**8:00:40**
